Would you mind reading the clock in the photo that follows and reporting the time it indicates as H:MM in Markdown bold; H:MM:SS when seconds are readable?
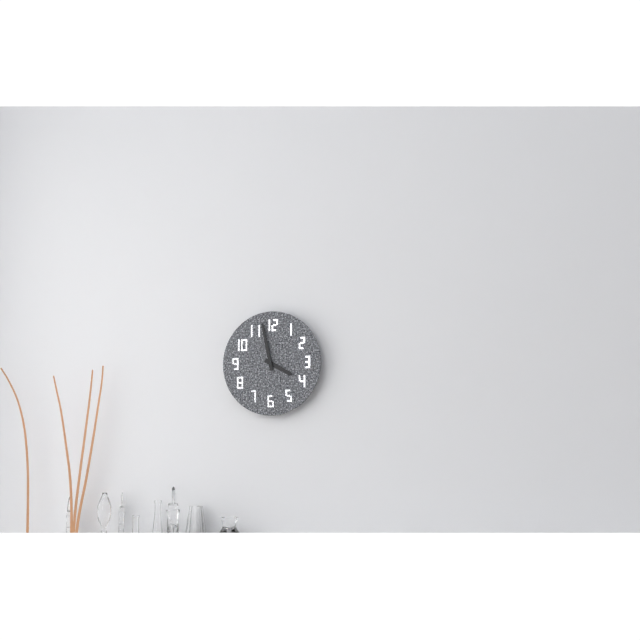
**3:58**
